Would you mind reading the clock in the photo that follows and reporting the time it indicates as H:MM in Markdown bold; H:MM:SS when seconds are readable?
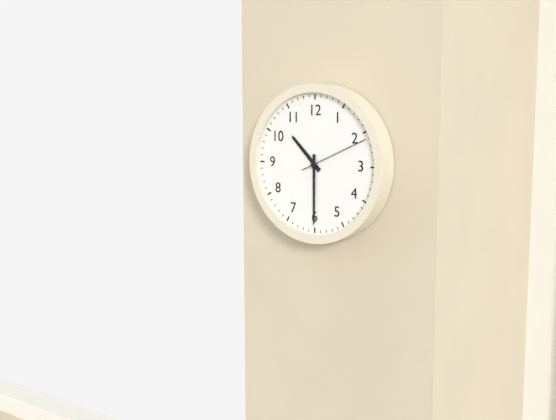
**10:30:11**
